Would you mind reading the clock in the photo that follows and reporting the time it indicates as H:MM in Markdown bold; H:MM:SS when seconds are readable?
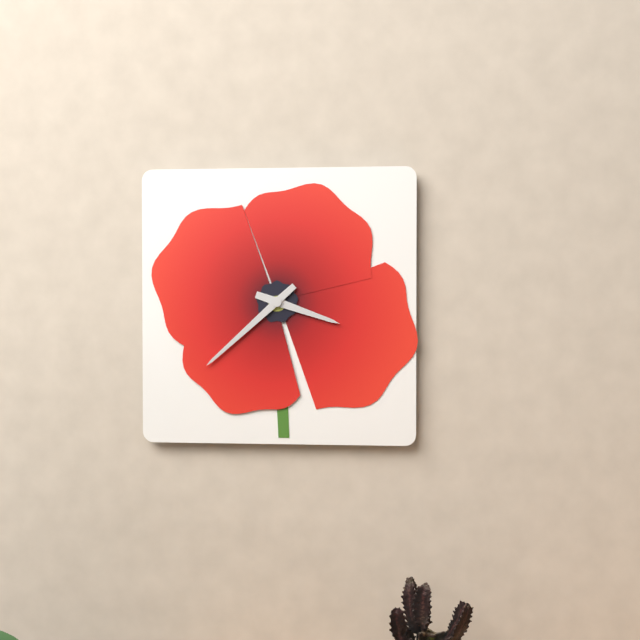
**3:38**
